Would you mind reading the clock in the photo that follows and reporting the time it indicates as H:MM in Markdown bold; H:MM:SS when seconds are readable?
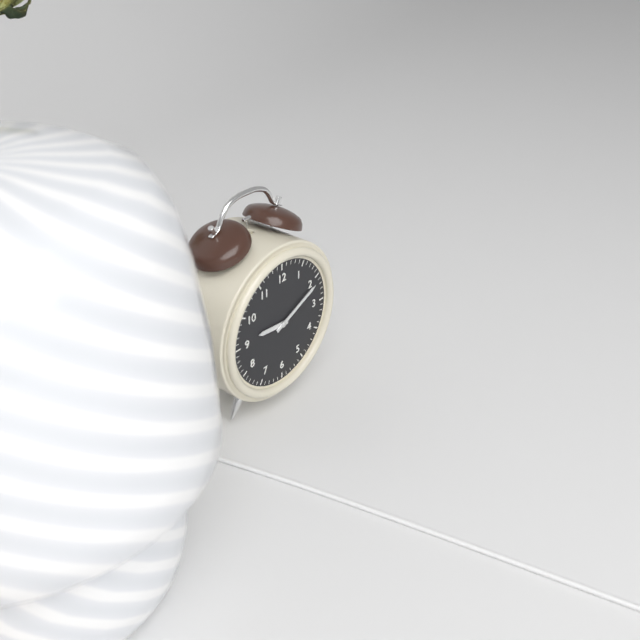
**9:11**
